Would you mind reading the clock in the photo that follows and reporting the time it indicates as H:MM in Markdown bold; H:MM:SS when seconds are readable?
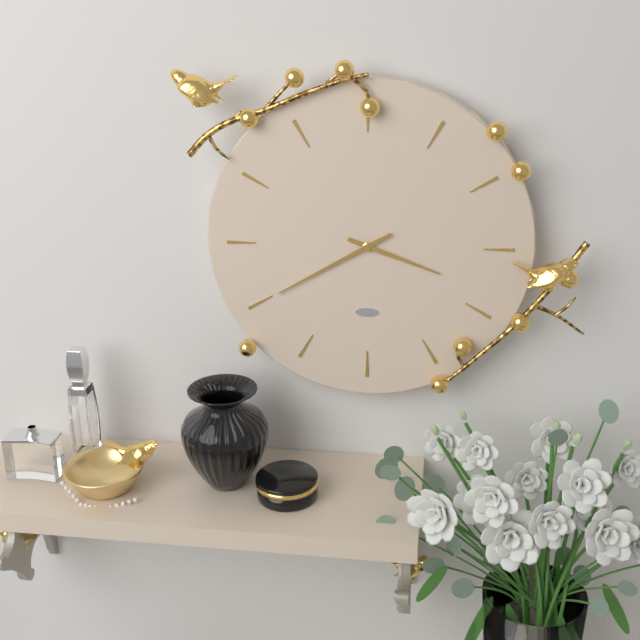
**3:40**
